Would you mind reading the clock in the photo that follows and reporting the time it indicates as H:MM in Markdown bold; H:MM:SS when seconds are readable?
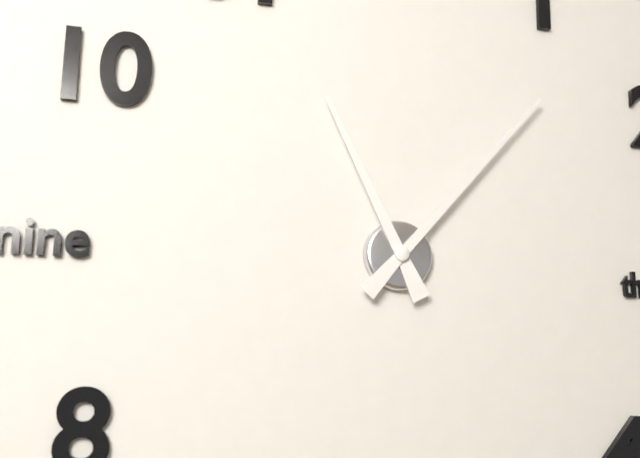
**11:07**
